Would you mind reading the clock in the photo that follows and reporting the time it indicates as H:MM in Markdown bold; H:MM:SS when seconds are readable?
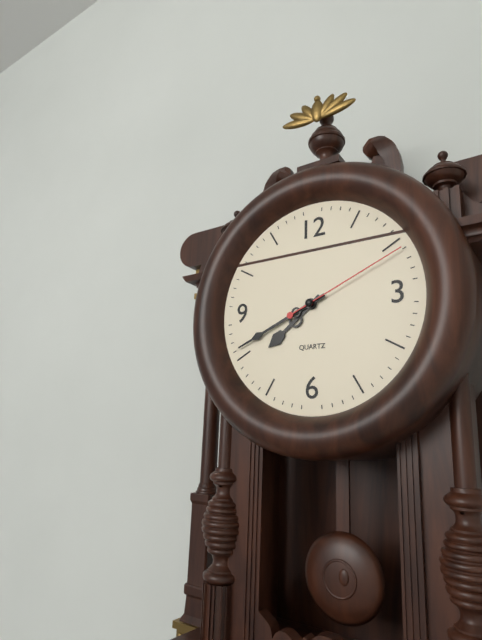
**7:41:11**
